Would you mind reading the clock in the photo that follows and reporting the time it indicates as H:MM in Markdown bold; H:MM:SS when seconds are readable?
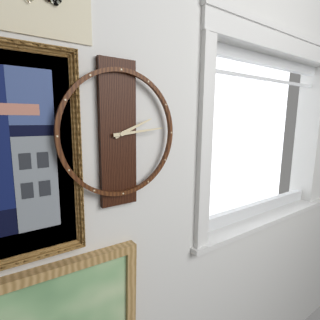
**2:14**
